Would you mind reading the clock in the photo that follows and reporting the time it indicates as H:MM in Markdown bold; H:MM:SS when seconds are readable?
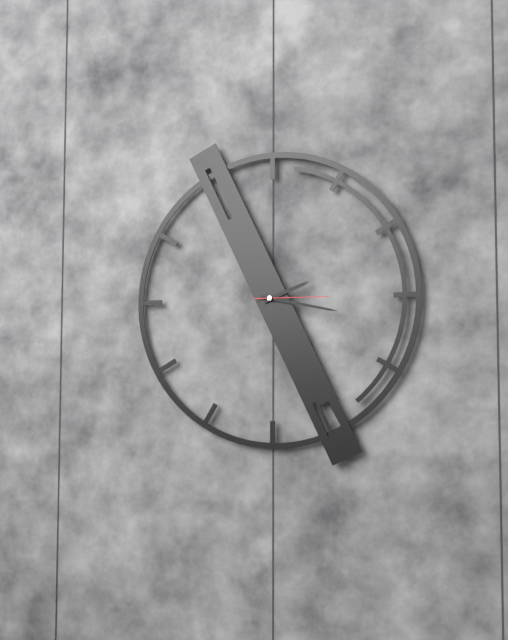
**2:17:15**
